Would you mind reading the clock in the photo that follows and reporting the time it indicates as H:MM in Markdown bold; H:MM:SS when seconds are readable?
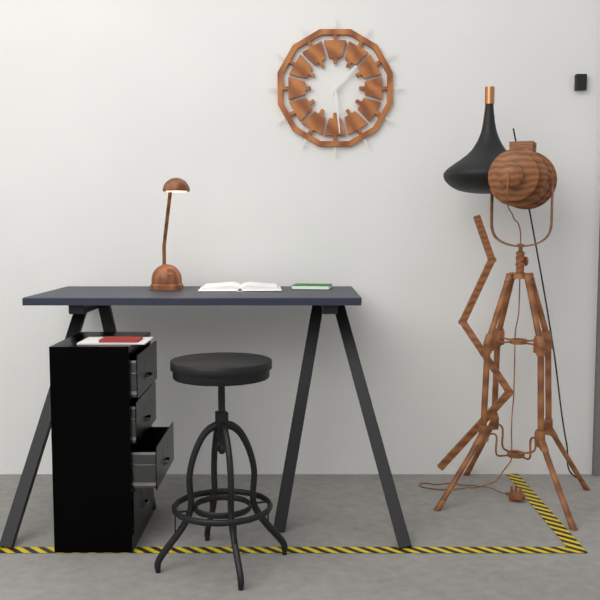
**1:29**
